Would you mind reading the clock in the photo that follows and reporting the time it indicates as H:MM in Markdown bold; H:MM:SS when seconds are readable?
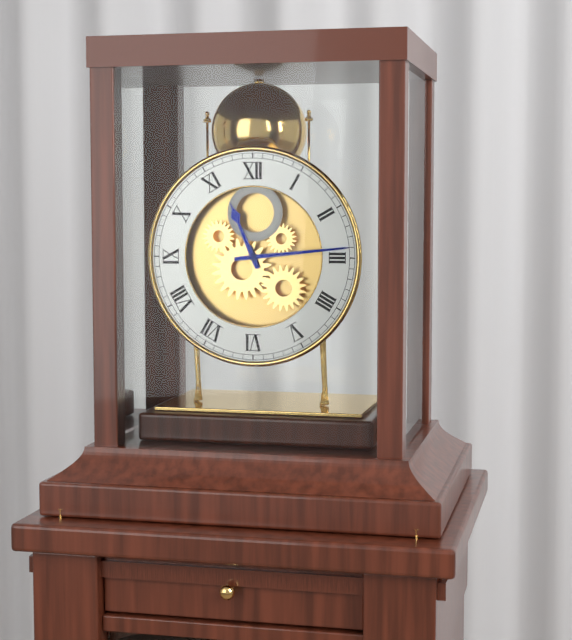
**11:14**
